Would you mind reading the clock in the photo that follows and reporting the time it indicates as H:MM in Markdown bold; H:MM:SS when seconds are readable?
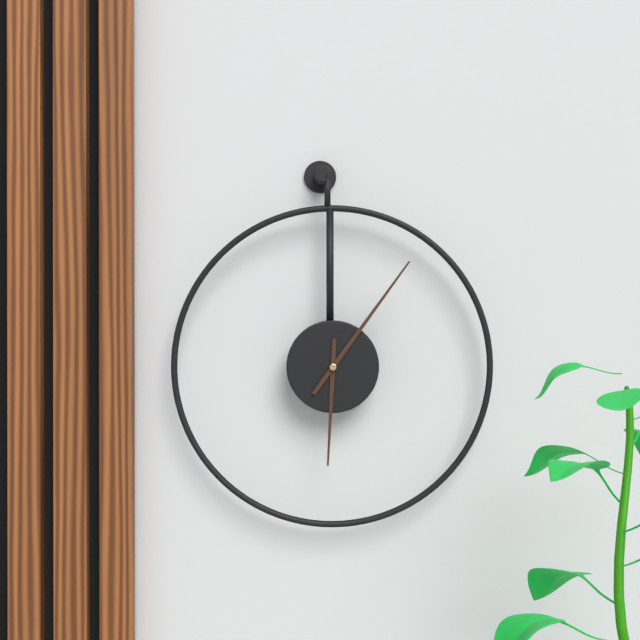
**6:06**
